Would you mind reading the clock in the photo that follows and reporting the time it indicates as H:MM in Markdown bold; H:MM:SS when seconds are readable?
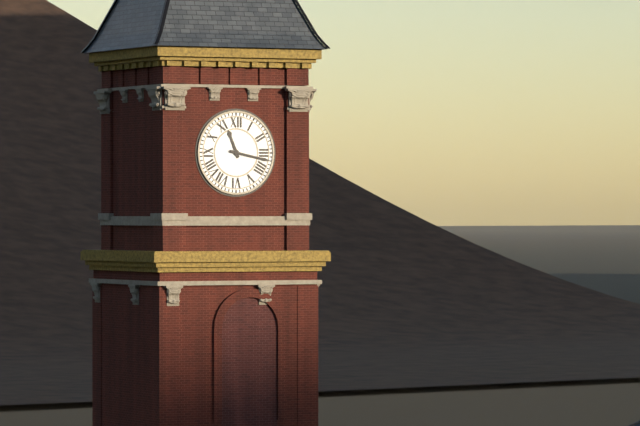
**11:17**
